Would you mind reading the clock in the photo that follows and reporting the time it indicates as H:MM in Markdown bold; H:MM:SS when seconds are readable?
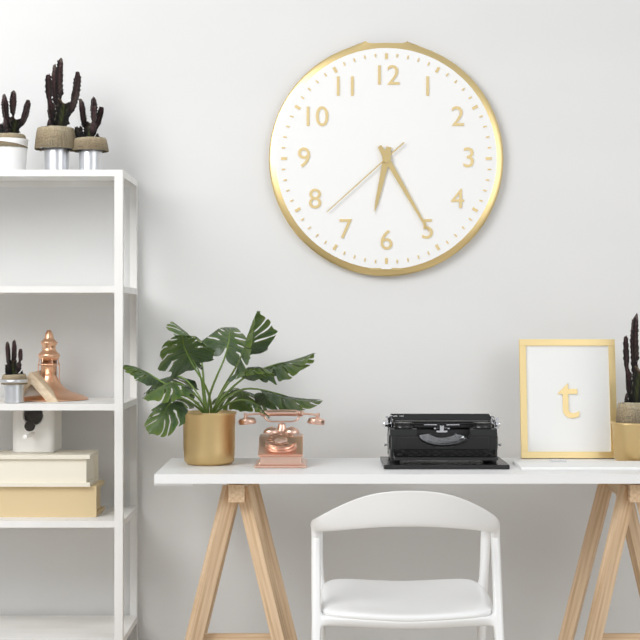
**6:25:38**
